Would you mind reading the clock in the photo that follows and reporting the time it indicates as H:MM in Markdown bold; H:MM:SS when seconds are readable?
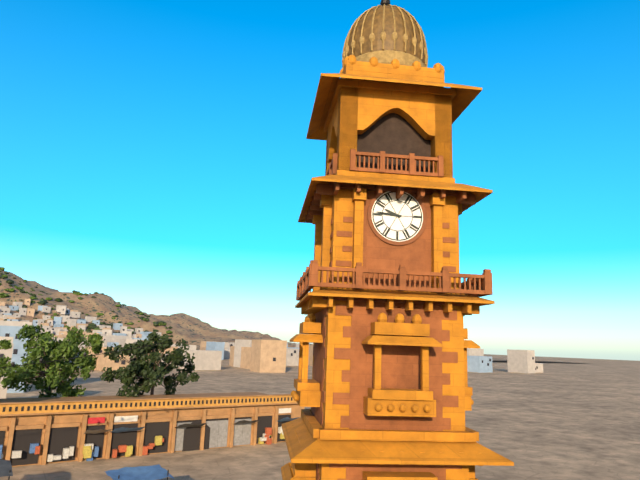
**9:46**
